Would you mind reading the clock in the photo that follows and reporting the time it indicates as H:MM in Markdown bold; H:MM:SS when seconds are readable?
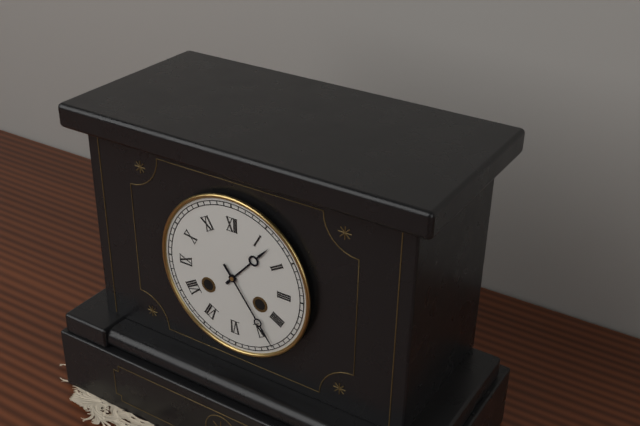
**1:24**
